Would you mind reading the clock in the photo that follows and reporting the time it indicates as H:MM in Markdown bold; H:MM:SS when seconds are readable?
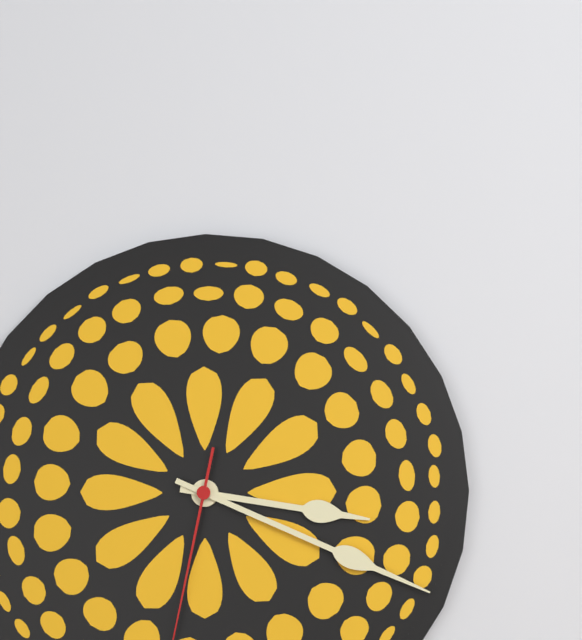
**3:19**
